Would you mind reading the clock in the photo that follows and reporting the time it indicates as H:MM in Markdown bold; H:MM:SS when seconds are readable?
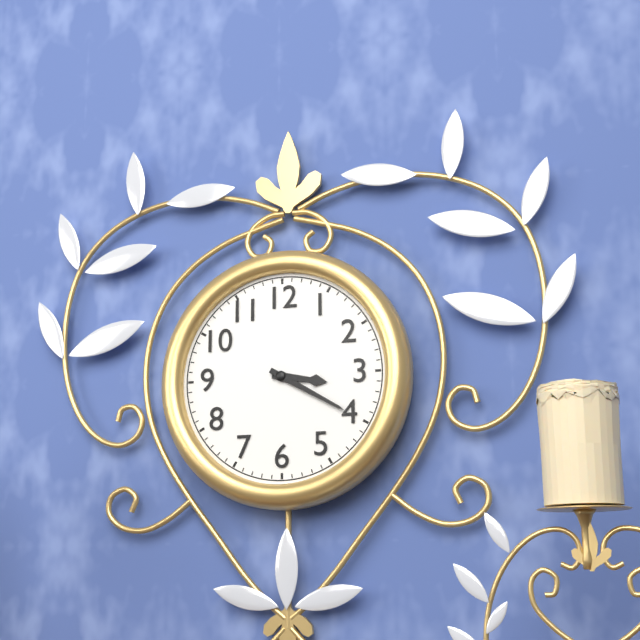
**3:20**
